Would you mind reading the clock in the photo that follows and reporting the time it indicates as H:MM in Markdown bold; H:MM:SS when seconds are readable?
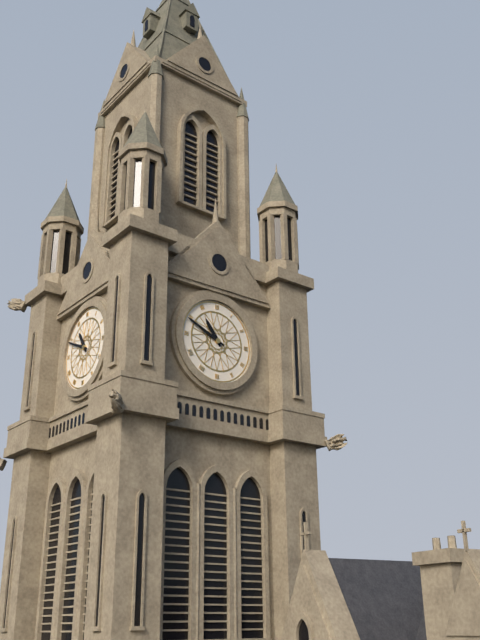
**10:49**
